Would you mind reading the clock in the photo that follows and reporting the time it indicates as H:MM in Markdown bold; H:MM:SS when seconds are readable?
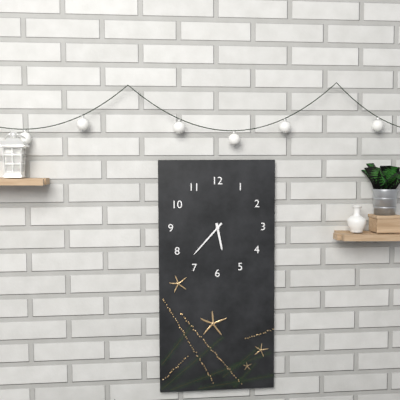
**5:37**
